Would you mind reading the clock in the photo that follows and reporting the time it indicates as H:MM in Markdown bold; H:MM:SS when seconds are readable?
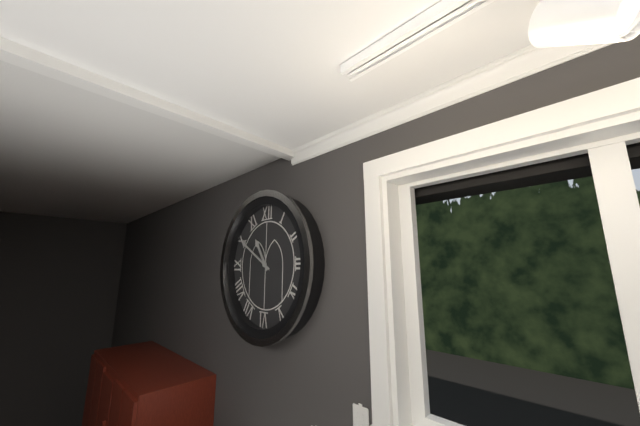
**10:50**
